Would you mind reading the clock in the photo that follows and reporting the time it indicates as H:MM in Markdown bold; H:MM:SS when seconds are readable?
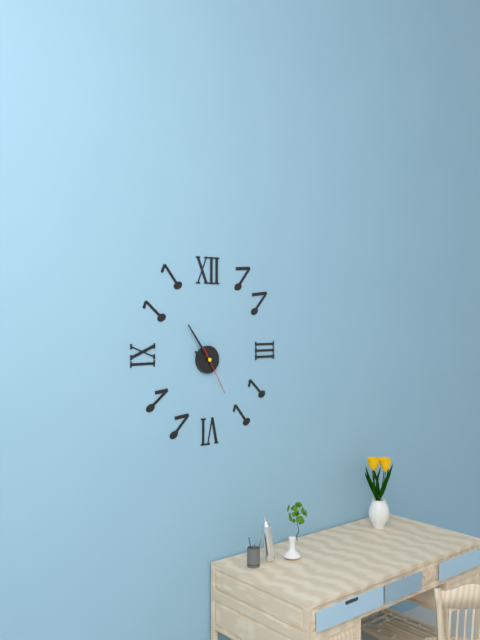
**9:54**
